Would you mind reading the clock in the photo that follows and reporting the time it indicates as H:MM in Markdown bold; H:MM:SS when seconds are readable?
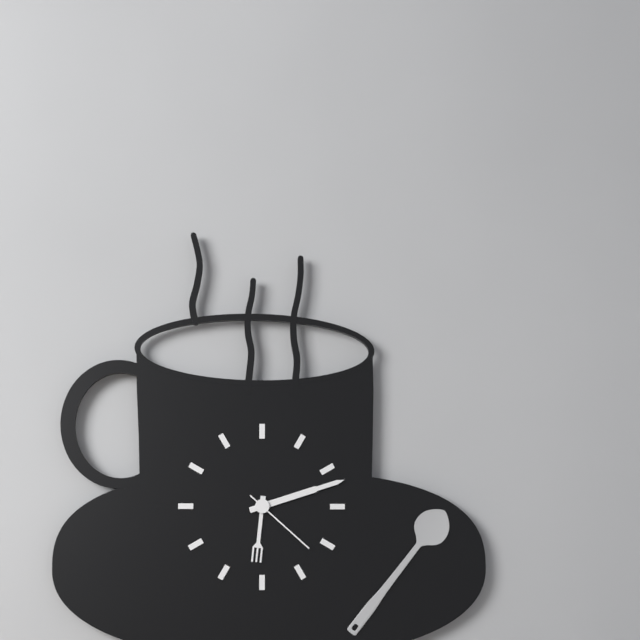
**6:12:22**
